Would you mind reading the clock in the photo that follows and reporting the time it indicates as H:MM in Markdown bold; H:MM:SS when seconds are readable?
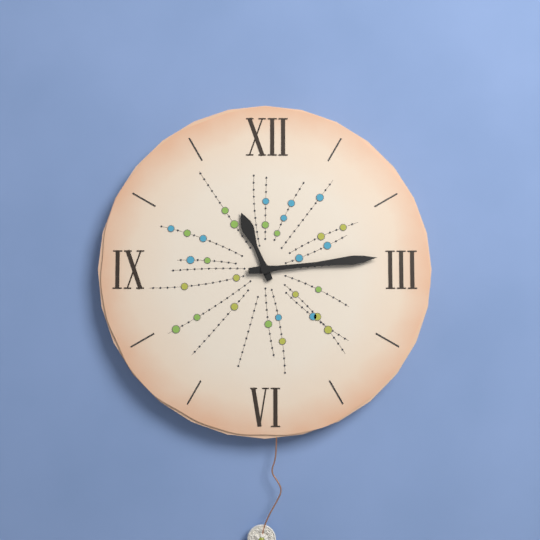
**11:14**
